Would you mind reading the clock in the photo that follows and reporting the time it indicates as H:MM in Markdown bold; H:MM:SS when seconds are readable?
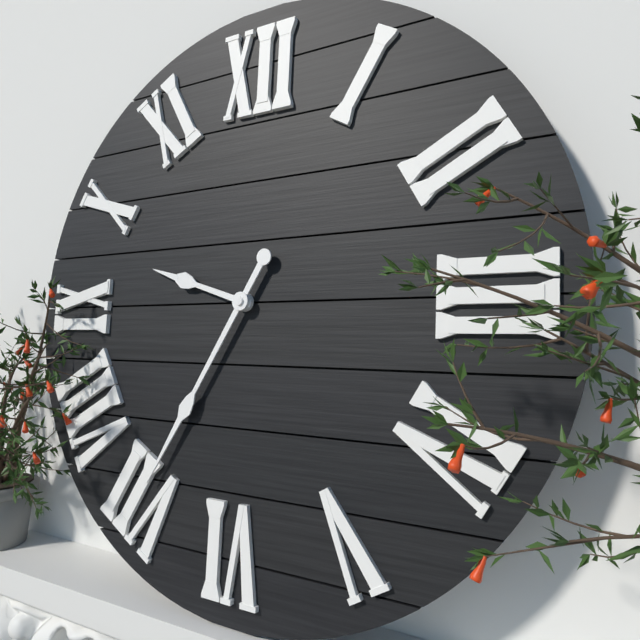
**9:35**
